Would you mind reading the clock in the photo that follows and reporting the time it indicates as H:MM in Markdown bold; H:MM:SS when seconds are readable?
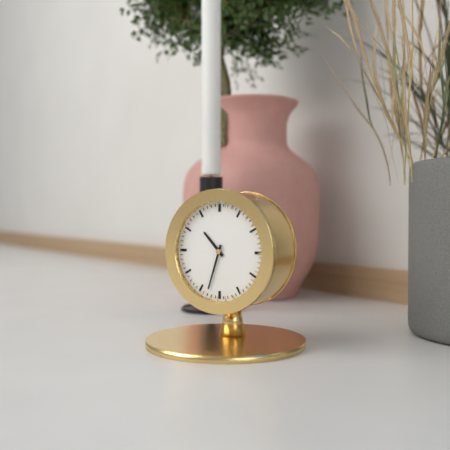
**10:33**
